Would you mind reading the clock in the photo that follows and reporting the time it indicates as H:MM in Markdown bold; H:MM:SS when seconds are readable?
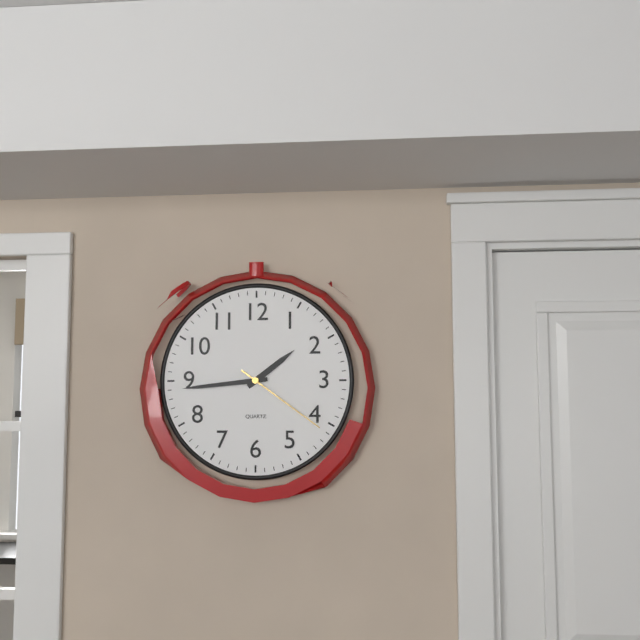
**1:44:21**
